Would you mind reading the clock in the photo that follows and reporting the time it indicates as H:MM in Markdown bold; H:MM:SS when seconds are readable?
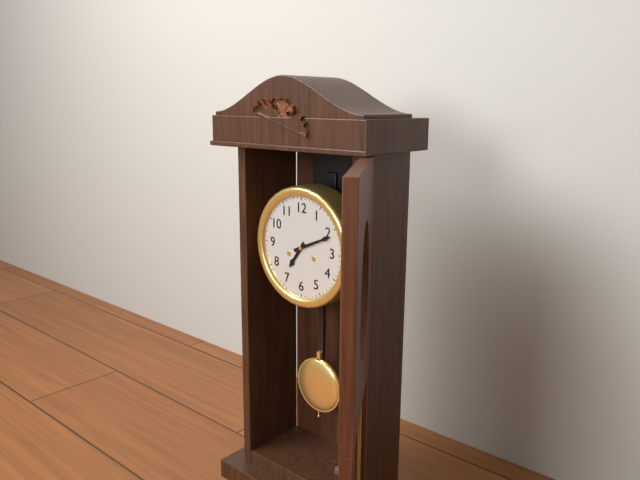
**7:11**
